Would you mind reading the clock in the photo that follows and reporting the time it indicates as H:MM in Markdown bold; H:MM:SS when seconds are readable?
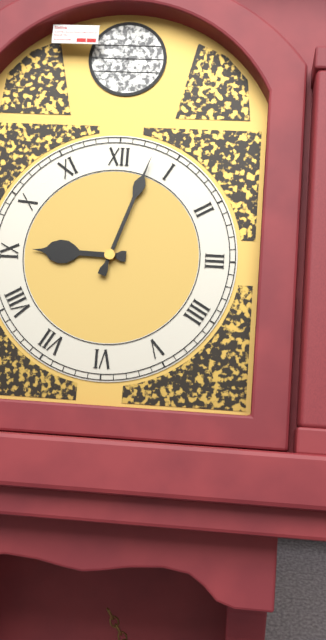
**9:03**
